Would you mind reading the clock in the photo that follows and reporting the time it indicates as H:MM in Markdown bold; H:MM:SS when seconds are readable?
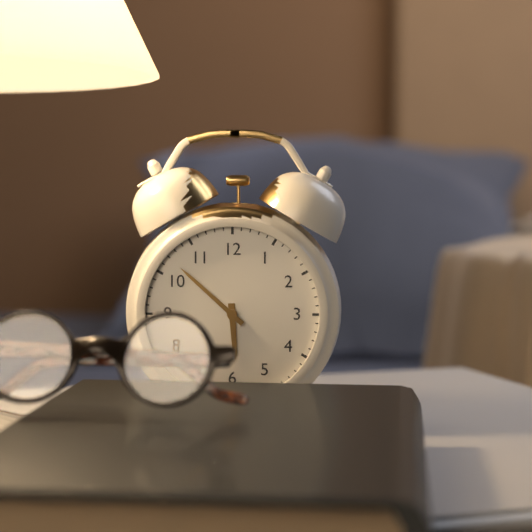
**5:52**
